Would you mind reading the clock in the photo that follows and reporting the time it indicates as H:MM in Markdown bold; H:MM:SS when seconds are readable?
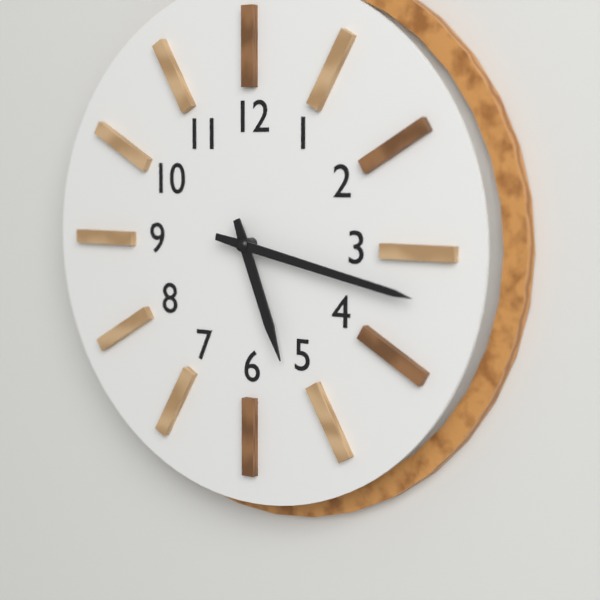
**5:17**
